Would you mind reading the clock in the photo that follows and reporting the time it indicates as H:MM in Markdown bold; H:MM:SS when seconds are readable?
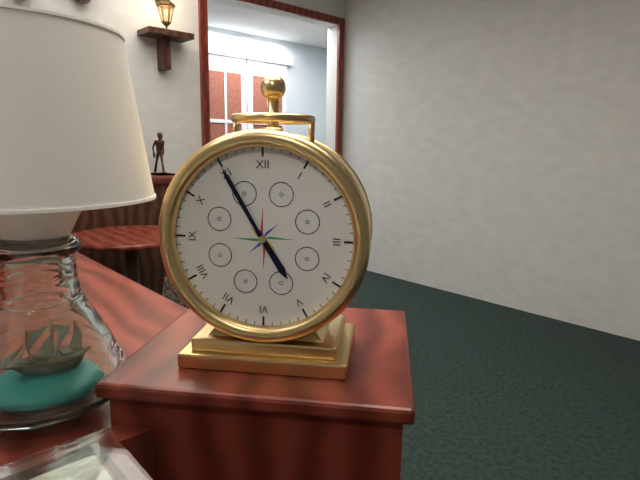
**4:55**
